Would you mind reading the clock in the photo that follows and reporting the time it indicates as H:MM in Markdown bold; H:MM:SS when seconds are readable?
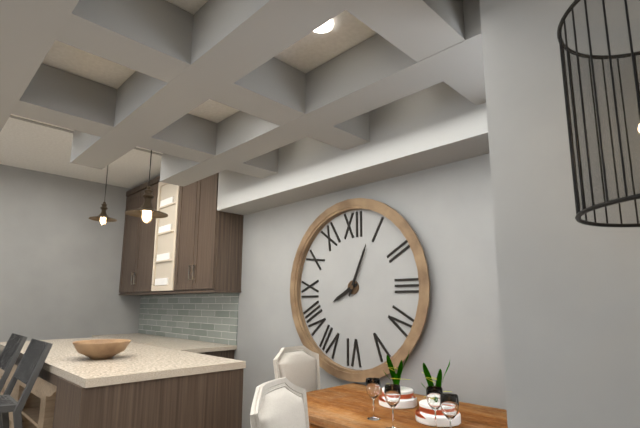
**8:04**
